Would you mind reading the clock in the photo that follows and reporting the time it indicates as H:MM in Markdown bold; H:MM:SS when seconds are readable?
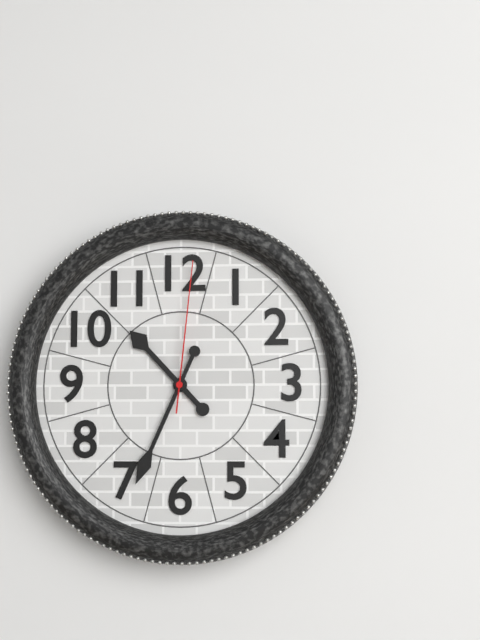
**10:34:01**
